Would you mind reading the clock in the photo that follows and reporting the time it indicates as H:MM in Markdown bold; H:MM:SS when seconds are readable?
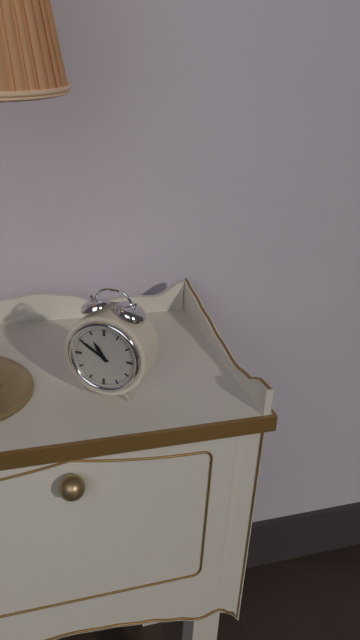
**10:50**
